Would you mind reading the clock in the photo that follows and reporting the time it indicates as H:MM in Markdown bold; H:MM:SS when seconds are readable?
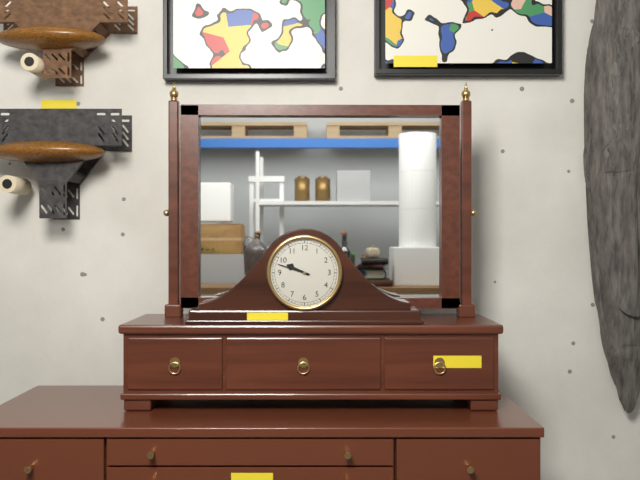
**9:48**
